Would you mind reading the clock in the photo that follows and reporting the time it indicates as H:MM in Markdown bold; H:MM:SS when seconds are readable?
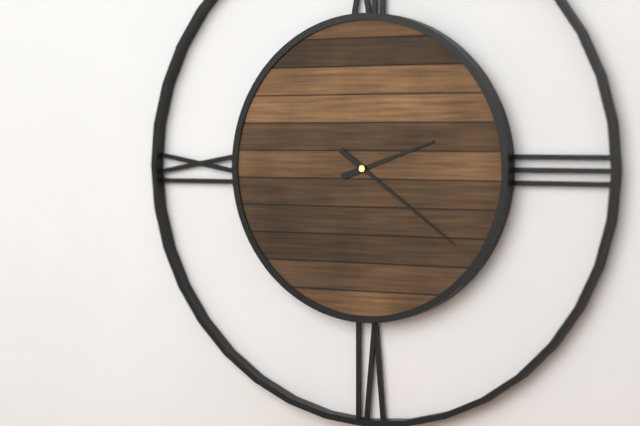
**2:21**
